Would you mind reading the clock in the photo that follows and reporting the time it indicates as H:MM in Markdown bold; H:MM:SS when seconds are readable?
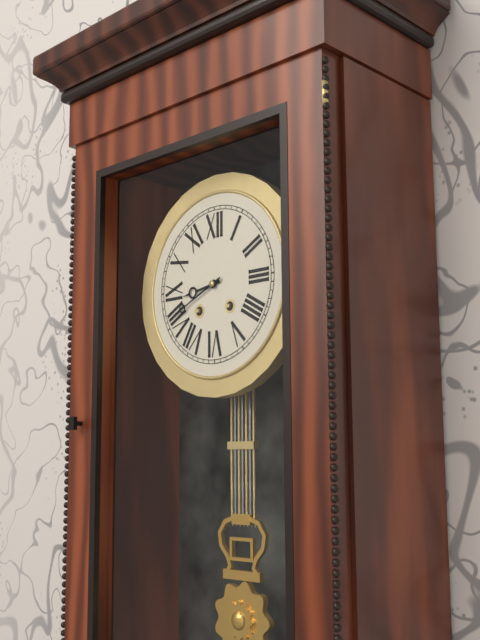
**8:41**
